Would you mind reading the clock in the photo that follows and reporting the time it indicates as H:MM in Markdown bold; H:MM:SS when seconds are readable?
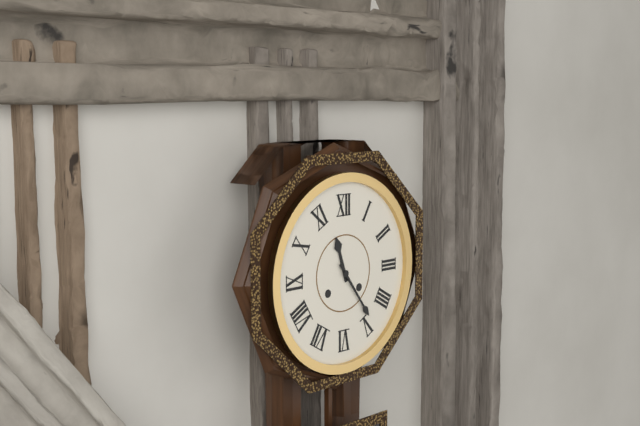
**11:24**
